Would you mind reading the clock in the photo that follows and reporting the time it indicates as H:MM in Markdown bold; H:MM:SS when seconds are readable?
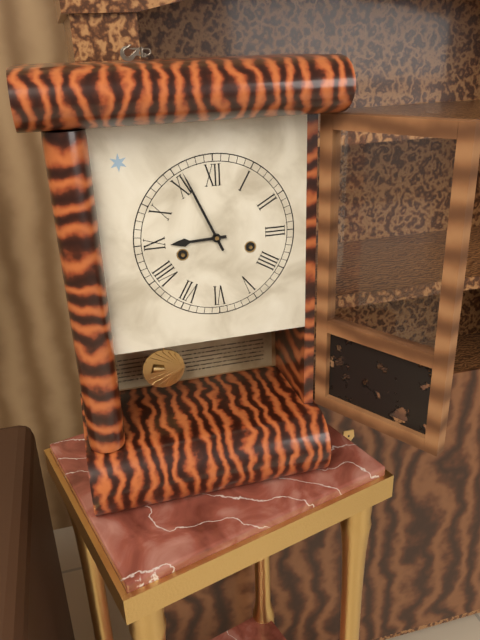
**8:56**
